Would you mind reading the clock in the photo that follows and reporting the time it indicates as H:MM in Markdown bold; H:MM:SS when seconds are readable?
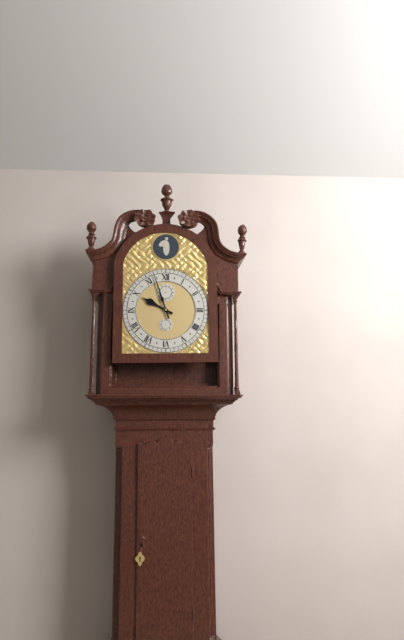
**9:57**
